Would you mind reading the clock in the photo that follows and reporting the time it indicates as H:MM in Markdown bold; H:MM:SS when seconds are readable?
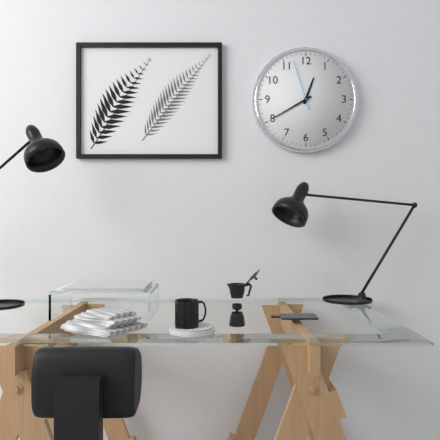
**12:40:57**
